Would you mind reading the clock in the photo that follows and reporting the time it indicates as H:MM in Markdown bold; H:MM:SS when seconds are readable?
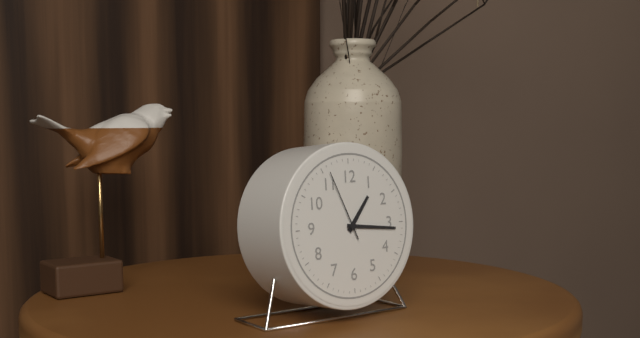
**1:16:56**
